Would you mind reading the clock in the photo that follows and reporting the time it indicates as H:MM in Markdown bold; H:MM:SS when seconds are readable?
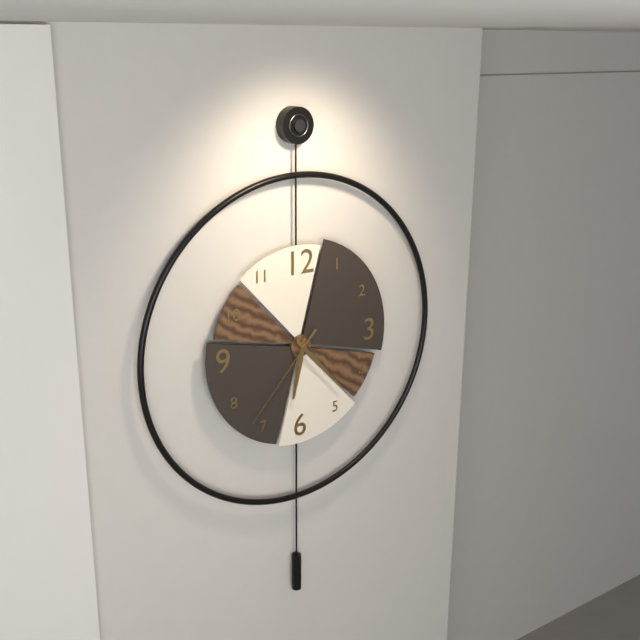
**6:23:37**
